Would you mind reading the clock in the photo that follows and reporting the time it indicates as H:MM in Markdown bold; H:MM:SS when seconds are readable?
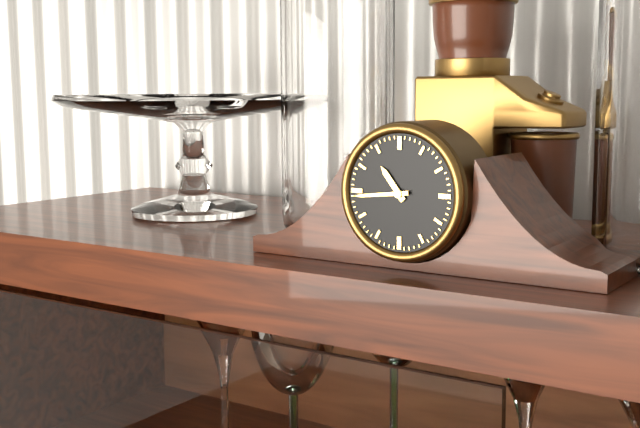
**10:44**
